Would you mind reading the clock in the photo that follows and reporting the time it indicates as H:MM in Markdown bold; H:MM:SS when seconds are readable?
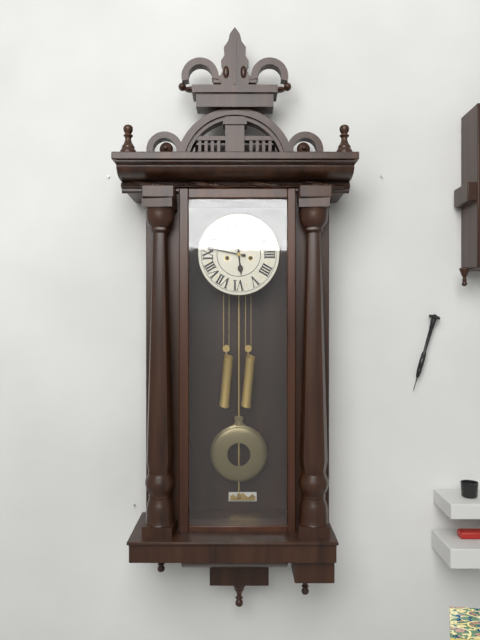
**5:47**
